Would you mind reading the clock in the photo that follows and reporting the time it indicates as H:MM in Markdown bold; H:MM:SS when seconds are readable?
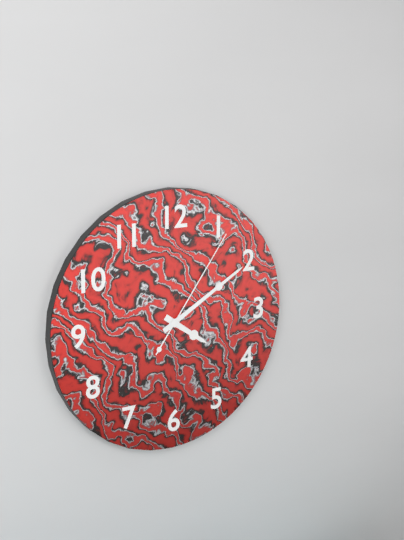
**4:10:06**
